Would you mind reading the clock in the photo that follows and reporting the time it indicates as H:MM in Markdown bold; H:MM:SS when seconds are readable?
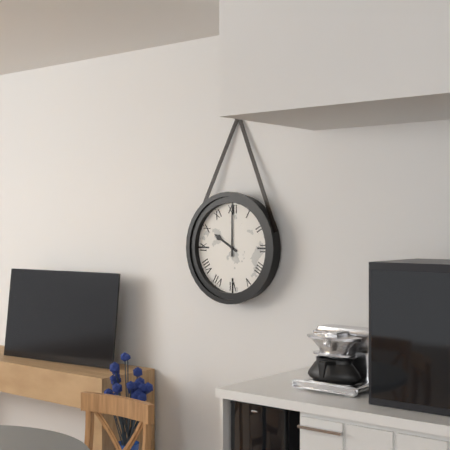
**10:00**
